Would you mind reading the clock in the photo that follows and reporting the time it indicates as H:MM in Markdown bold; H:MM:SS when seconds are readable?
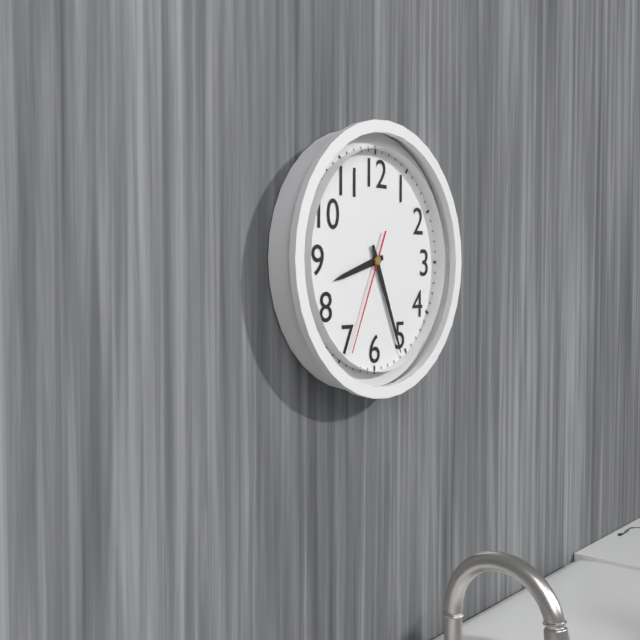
**8:26:34**
